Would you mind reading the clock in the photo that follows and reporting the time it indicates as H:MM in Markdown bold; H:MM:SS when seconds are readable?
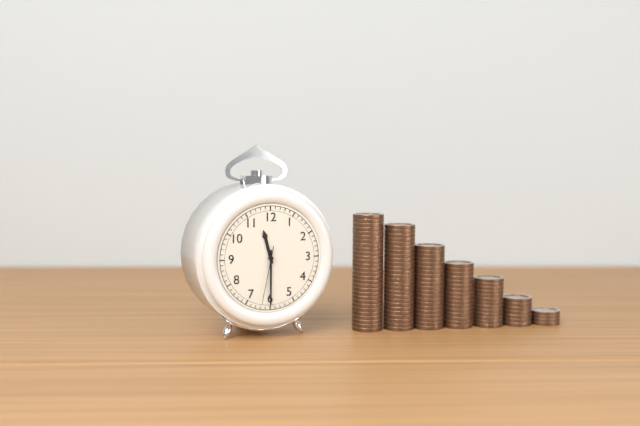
**11:30:32**
